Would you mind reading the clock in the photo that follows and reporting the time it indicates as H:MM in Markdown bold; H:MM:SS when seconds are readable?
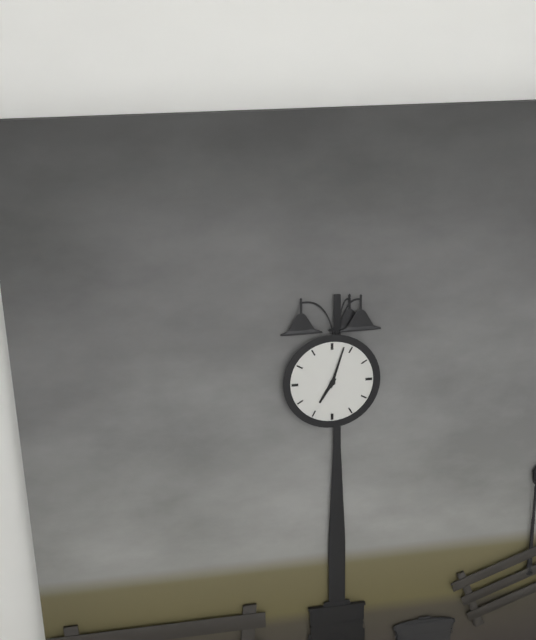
**7:03**
